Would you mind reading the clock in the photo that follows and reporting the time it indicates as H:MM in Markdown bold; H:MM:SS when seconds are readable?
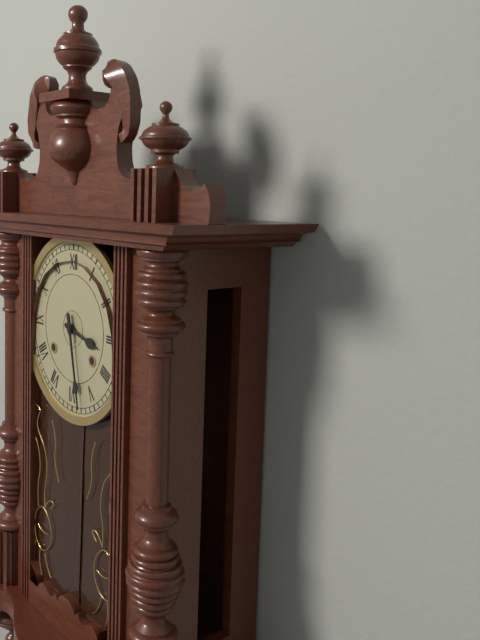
**3:28**
